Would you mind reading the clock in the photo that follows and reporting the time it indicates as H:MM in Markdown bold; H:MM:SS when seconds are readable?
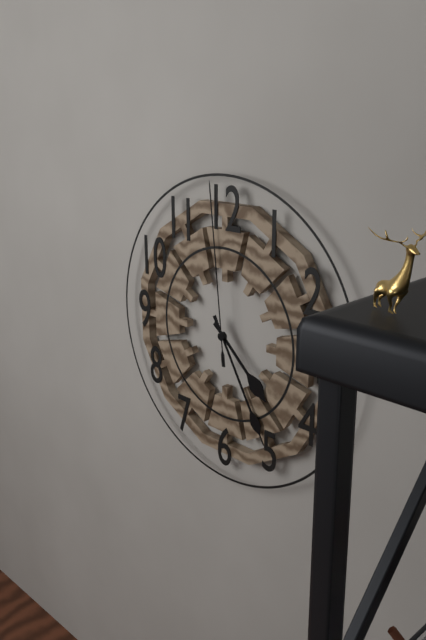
**4:25:59**
